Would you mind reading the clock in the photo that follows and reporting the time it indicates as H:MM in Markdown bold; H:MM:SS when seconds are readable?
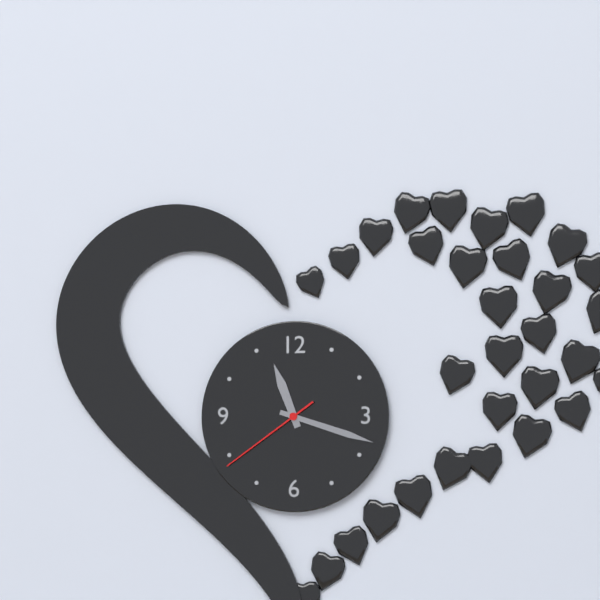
**11:18:39**
